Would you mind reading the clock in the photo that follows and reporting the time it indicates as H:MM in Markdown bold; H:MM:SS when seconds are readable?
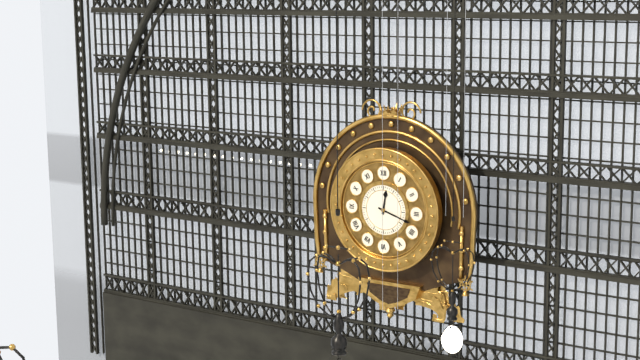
**12:18**
